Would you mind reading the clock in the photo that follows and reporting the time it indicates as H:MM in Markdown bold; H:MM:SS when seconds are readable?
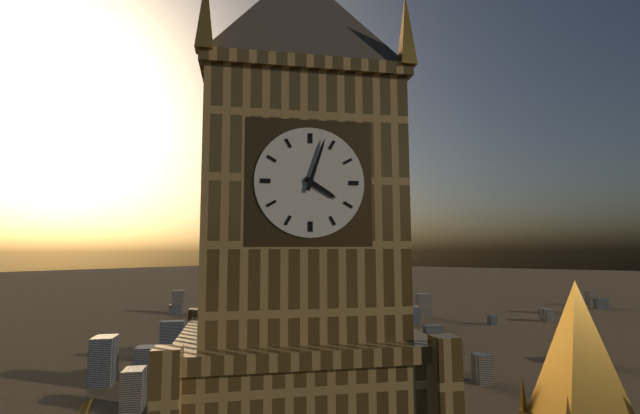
**4:03**
